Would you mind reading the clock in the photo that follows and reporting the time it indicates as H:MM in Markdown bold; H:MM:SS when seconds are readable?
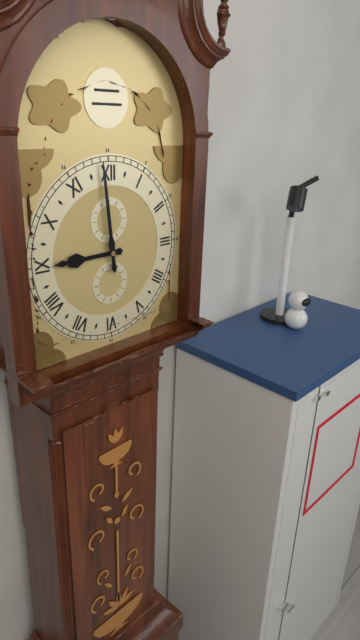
**8:59**
